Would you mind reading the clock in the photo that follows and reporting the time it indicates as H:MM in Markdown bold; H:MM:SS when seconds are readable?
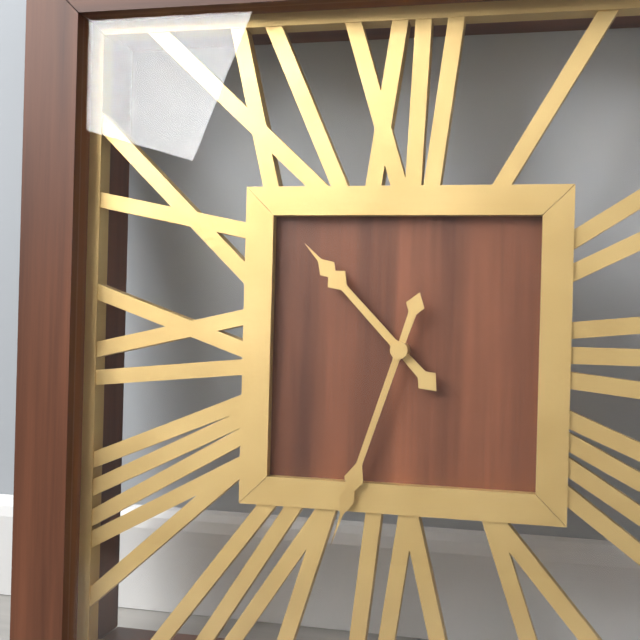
**10:33**
